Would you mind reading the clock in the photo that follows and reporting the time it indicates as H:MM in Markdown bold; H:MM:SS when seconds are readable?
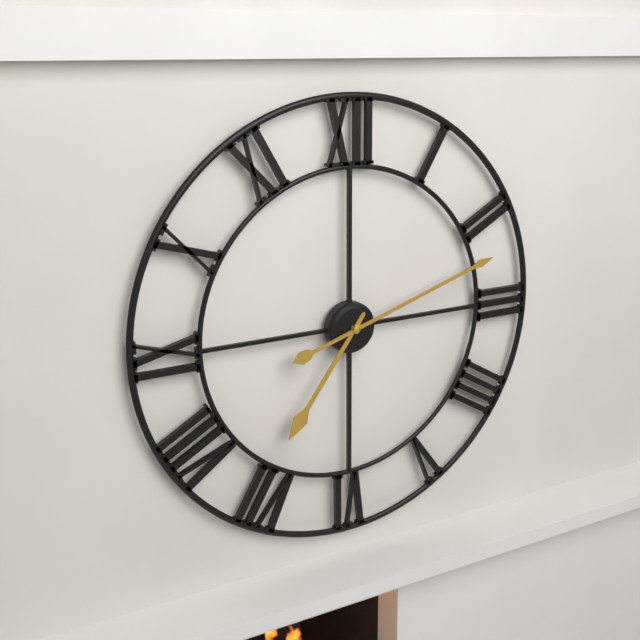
**7:12**
